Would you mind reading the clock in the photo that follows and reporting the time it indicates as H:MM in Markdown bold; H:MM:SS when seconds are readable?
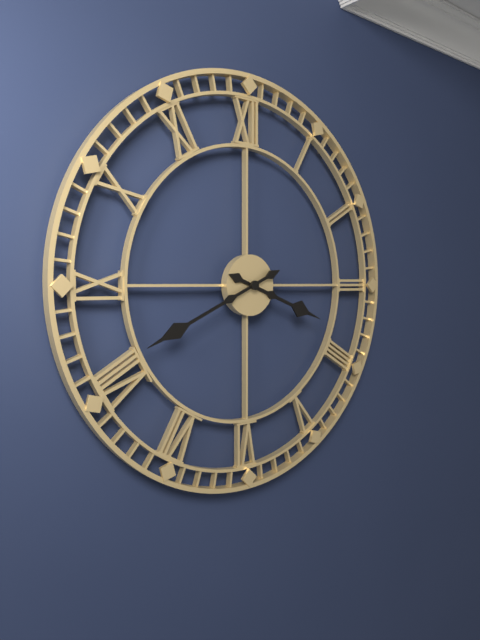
**3:41**
